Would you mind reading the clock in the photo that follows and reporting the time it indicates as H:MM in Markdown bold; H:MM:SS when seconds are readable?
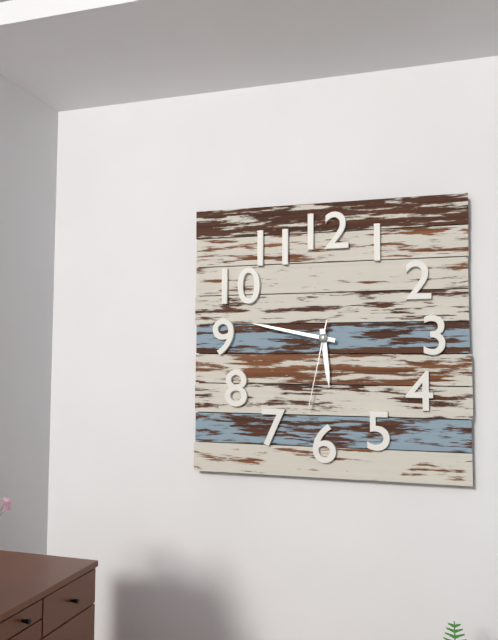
**5:47:32**
